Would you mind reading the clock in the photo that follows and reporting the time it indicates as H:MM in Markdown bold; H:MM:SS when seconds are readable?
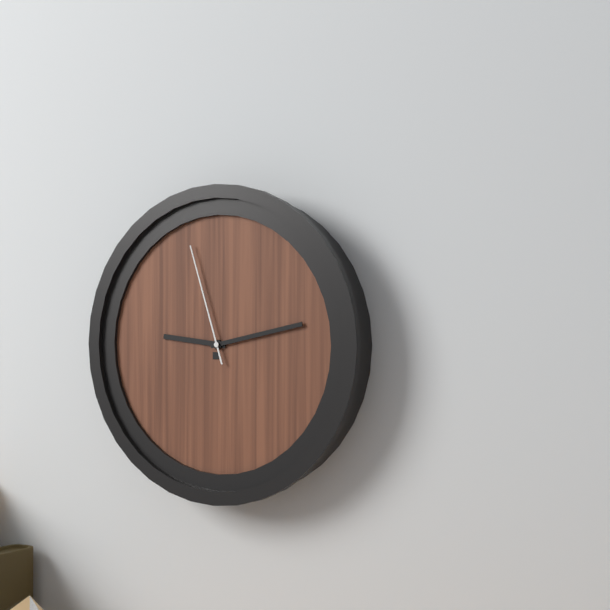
**9:13:57**
